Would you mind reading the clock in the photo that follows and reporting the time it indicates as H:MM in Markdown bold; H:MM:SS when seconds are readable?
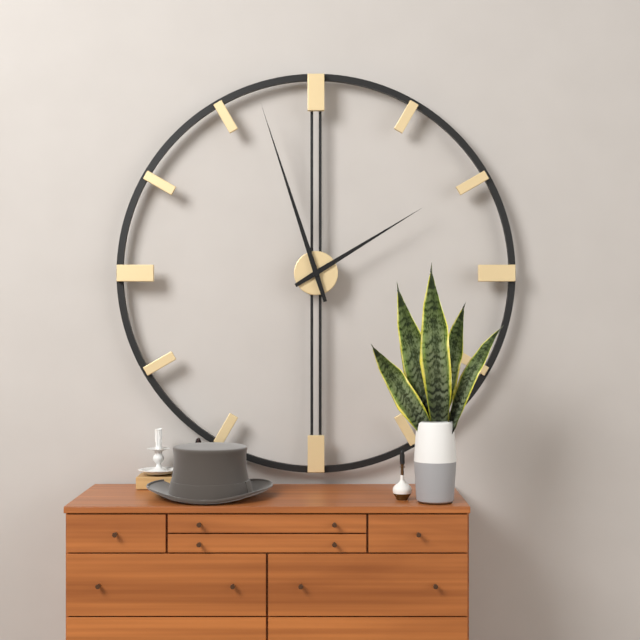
**1:57**
